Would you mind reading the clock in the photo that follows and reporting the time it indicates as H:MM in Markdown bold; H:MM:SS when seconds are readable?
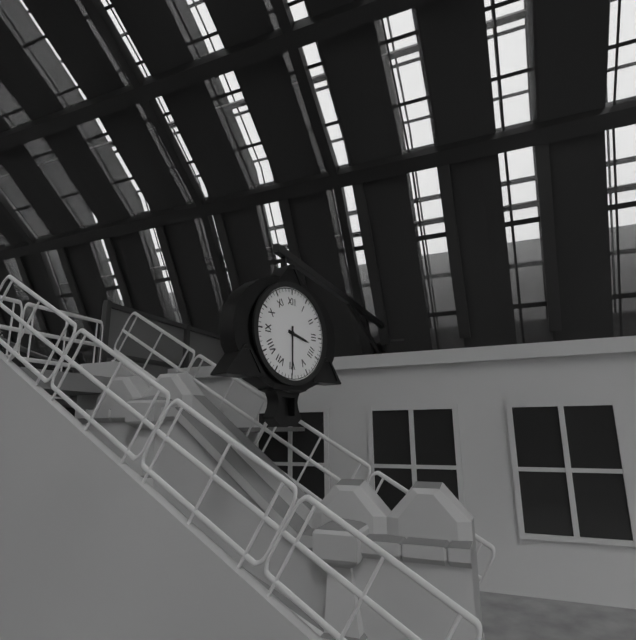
**3:30**
